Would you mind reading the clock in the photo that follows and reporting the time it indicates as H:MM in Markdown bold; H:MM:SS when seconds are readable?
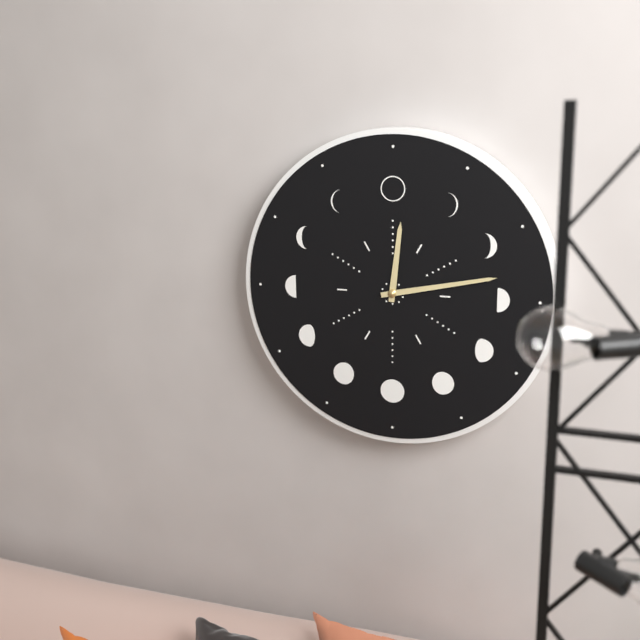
**12:13**
